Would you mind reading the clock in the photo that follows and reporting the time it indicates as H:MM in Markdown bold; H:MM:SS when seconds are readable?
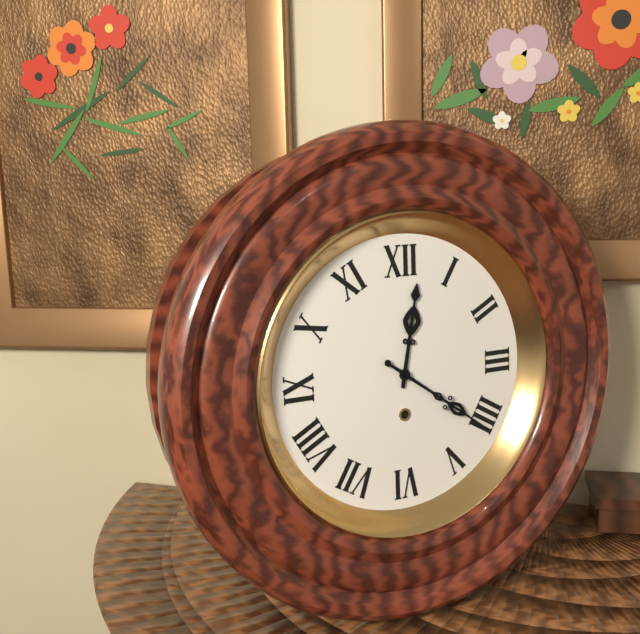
**12:21**
